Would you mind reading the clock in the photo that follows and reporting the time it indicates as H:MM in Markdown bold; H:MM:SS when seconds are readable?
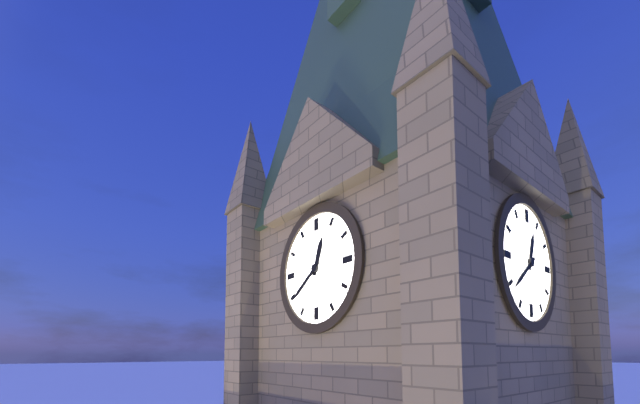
**12:39**
